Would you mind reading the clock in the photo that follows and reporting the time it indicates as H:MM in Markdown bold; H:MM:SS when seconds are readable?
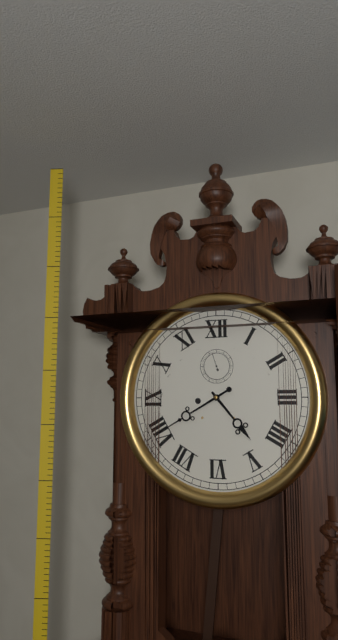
**4:40**
